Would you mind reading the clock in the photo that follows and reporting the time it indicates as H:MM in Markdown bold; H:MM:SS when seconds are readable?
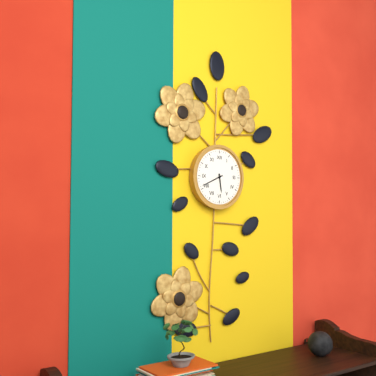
**5:41**
